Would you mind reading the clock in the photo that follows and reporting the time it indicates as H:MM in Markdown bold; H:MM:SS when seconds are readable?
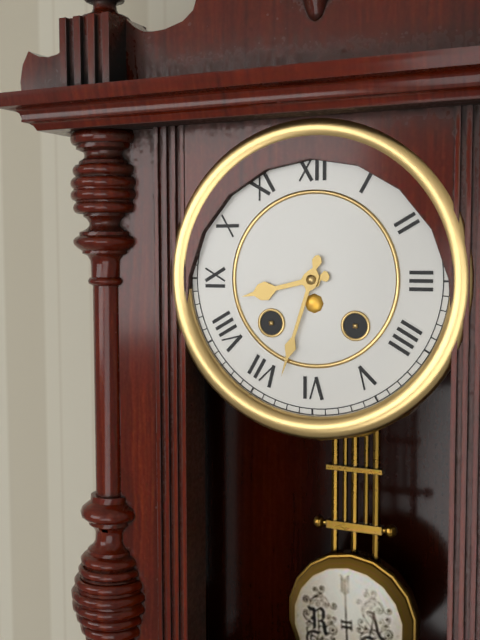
**8:33**
